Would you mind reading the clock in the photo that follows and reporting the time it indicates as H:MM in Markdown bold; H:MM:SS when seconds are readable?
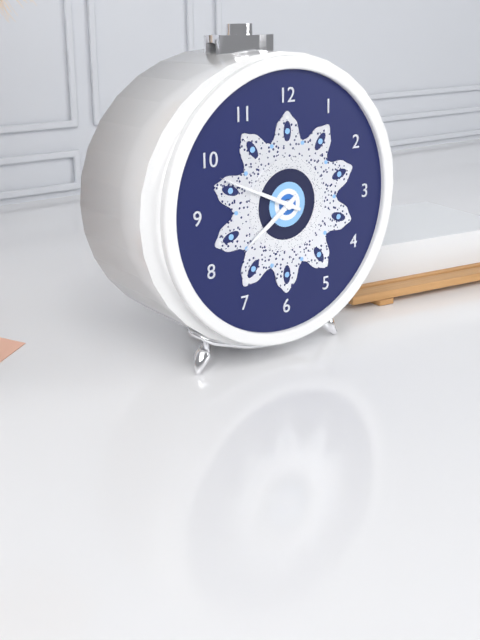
**7:49**
